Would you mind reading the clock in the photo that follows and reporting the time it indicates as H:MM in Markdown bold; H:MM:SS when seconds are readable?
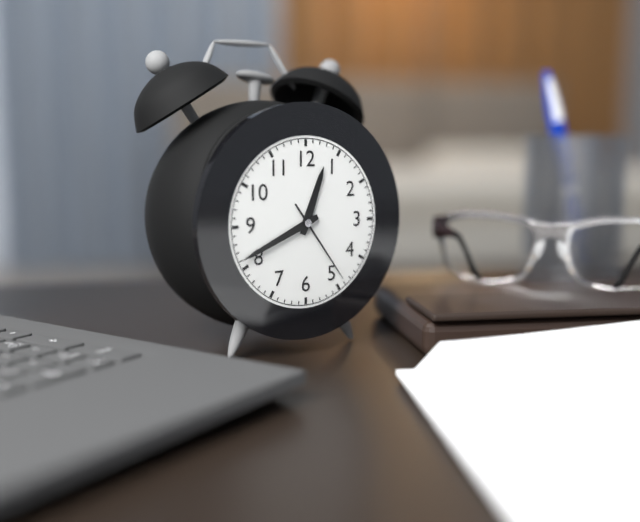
**12:41:24**
